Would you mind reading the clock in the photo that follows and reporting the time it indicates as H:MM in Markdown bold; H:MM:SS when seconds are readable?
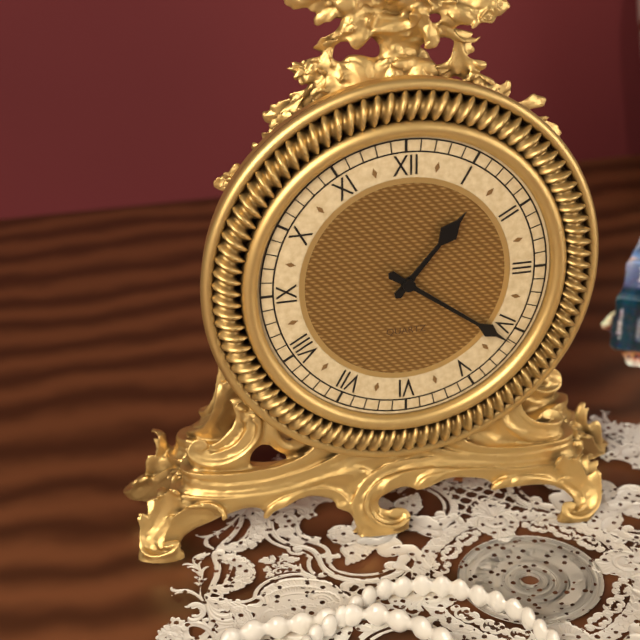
**1:21**
